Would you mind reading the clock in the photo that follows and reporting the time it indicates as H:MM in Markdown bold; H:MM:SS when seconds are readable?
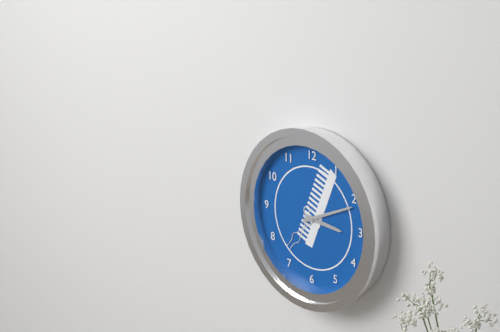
**3:11**
